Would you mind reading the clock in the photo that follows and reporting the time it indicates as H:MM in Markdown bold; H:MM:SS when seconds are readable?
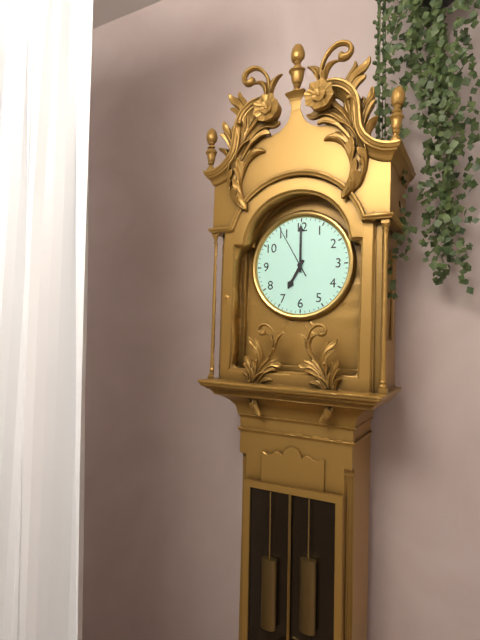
**7:00:55**
